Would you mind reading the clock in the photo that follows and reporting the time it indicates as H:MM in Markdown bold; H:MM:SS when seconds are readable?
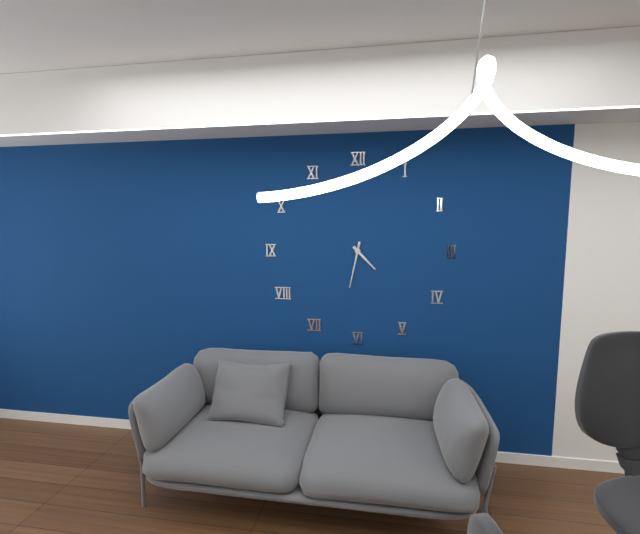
**4:32**
